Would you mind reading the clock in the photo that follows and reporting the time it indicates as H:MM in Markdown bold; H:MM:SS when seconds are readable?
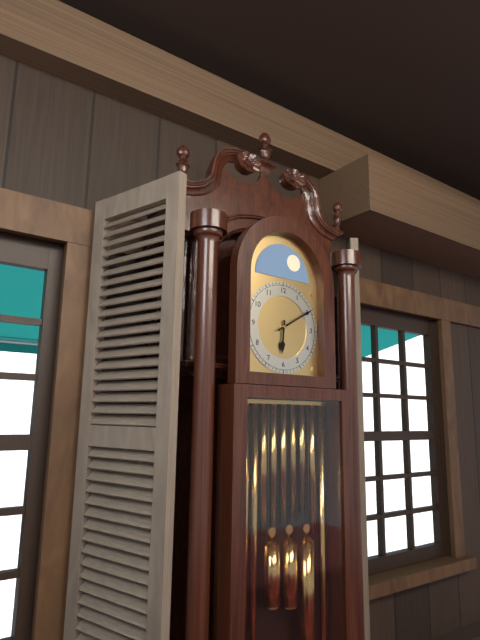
**6:10**
